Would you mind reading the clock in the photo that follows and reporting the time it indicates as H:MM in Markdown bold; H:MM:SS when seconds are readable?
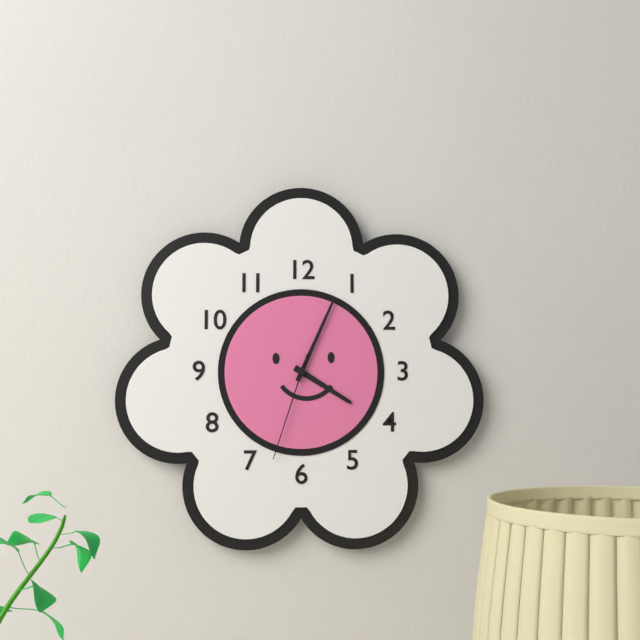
**4:04:33**
